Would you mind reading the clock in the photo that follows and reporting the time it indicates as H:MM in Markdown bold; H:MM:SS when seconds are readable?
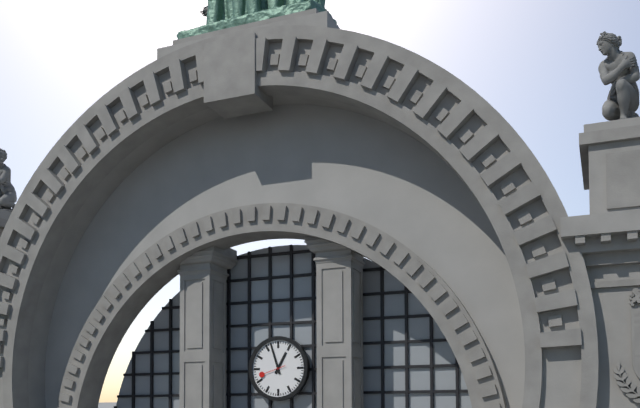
**12:57**
